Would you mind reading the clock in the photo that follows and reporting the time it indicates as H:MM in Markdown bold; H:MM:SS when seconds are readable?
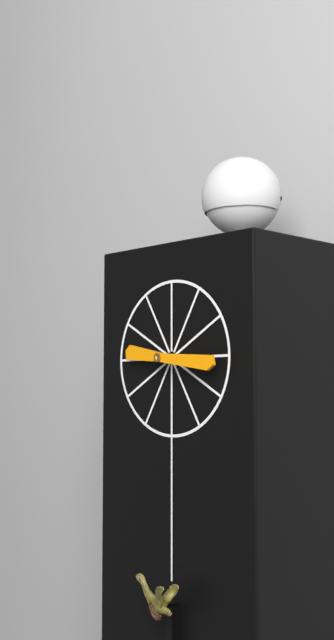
**9:16**
